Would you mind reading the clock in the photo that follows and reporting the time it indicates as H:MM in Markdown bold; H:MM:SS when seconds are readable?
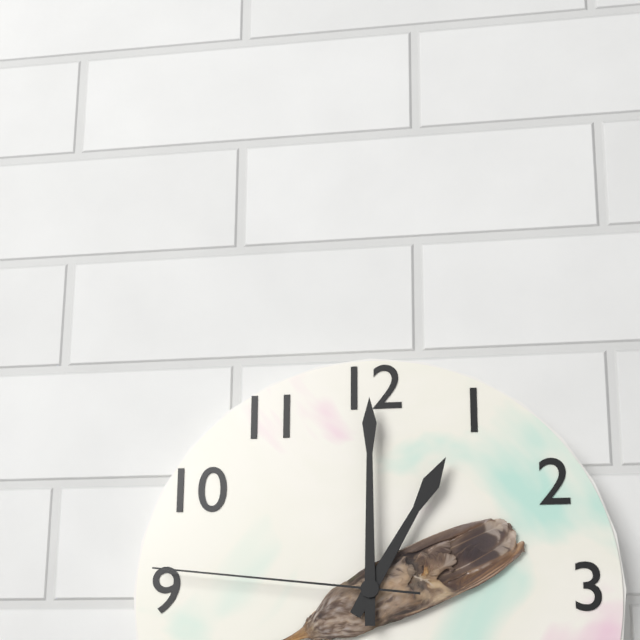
**1:00:46**
